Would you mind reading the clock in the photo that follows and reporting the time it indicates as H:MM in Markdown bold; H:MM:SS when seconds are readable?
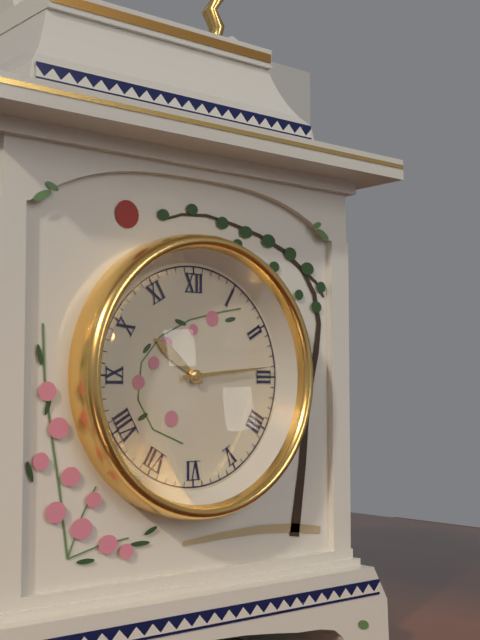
**10:14**
